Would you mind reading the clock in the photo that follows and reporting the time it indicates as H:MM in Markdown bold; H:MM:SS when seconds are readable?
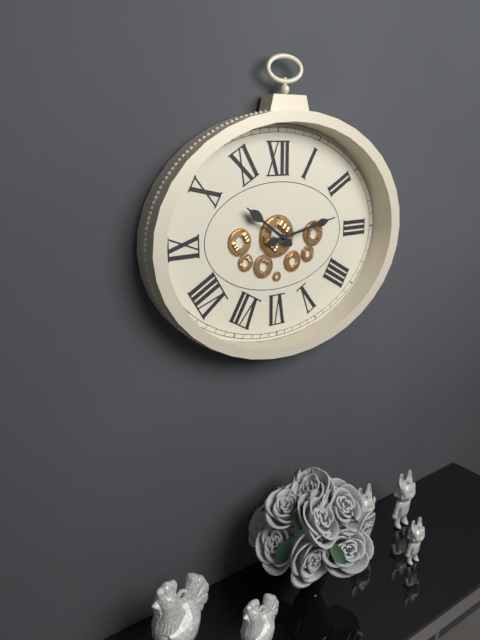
**10:13**
